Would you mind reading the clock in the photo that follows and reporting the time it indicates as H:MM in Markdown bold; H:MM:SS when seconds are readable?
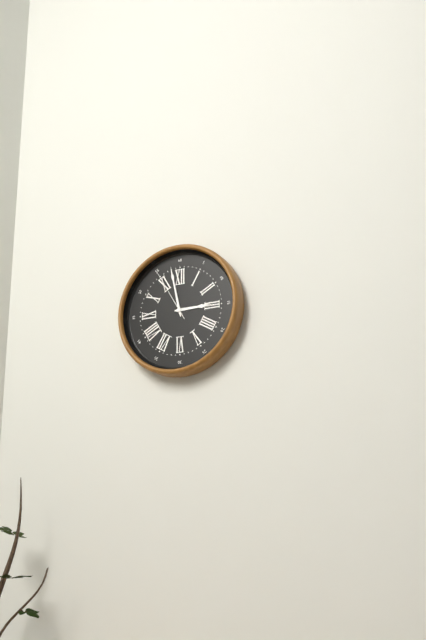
**2:58:55**
